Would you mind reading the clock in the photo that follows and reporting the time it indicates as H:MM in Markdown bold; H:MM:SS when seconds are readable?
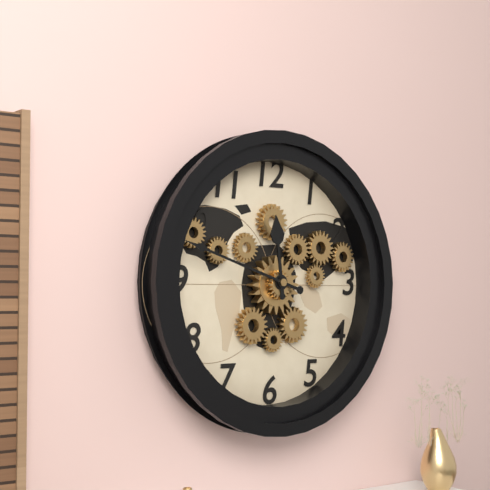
**11:48**
